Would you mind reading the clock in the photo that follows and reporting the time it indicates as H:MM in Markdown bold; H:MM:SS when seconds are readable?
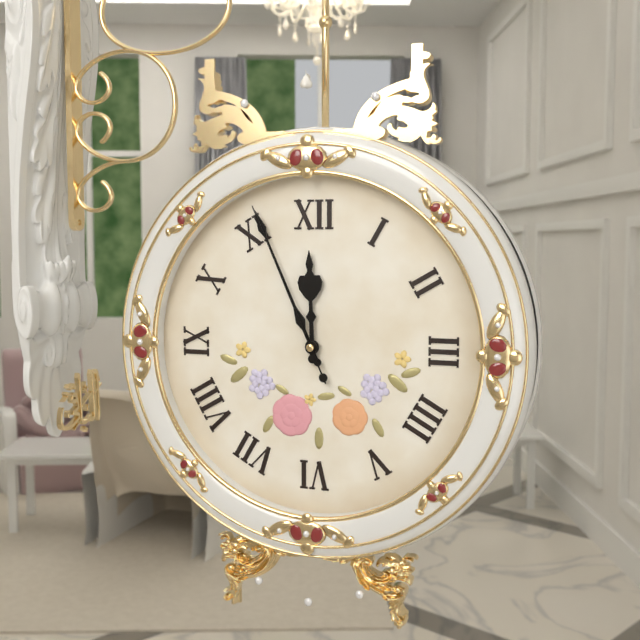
**11:56:56**
